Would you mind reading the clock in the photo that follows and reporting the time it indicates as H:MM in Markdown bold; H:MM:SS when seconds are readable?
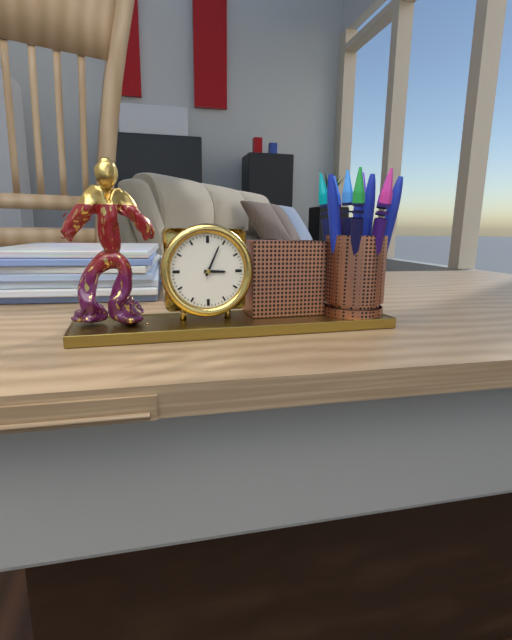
**3:04**
